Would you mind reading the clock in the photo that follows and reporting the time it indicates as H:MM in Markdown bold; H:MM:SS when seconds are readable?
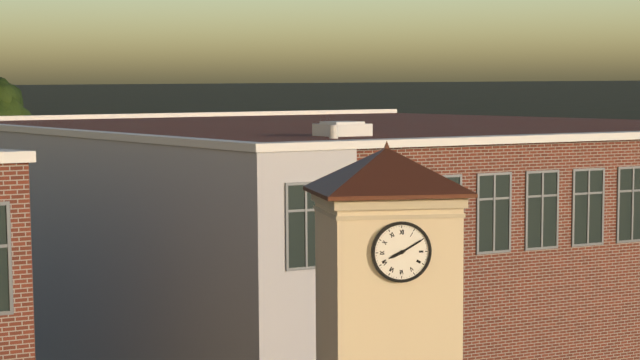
**8:10**
